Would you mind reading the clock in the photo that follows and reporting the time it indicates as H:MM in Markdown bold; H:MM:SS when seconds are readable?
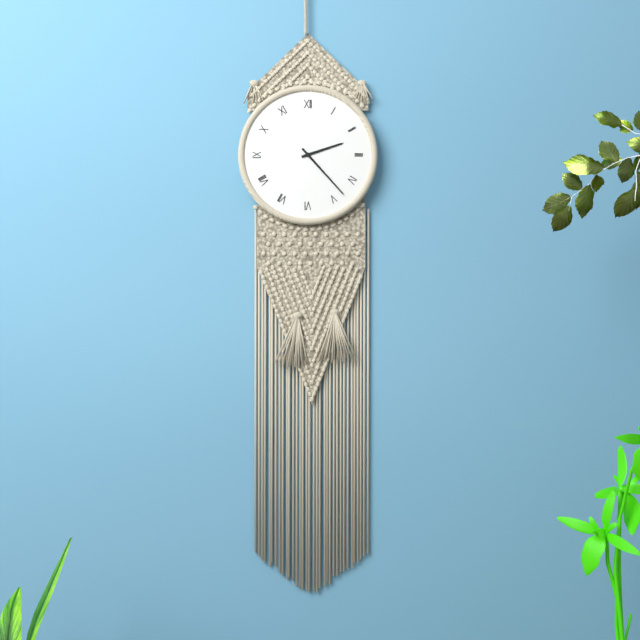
**2:23**
